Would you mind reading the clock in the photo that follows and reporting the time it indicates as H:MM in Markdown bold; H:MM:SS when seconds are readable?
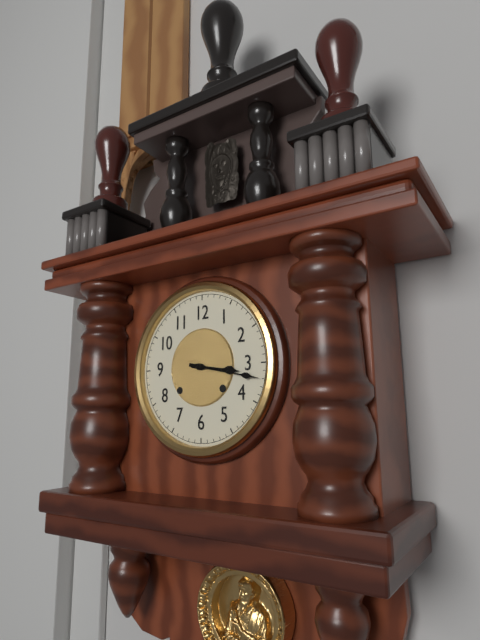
**3:17**
